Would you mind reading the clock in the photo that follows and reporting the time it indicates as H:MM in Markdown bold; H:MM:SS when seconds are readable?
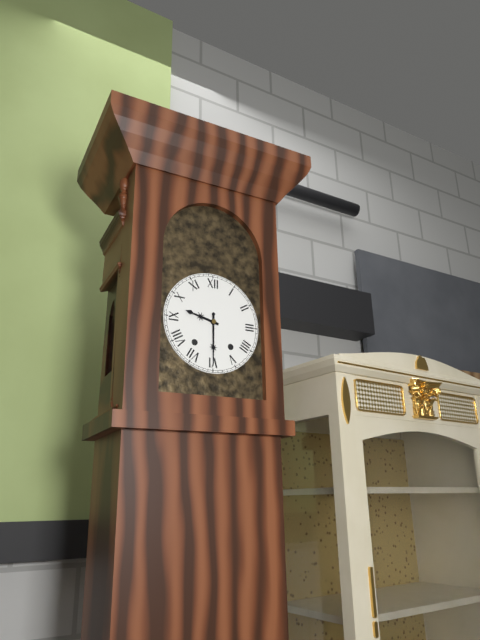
**9:30**
